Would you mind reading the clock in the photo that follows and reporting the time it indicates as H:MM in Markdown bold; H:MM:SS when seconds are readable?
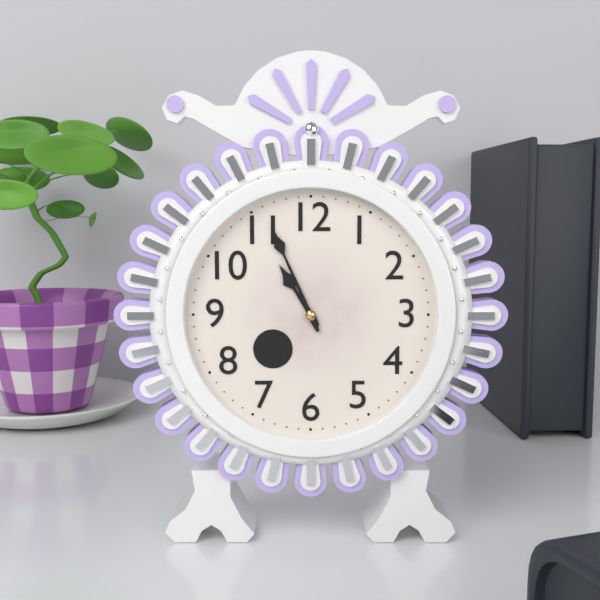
**10:56**
